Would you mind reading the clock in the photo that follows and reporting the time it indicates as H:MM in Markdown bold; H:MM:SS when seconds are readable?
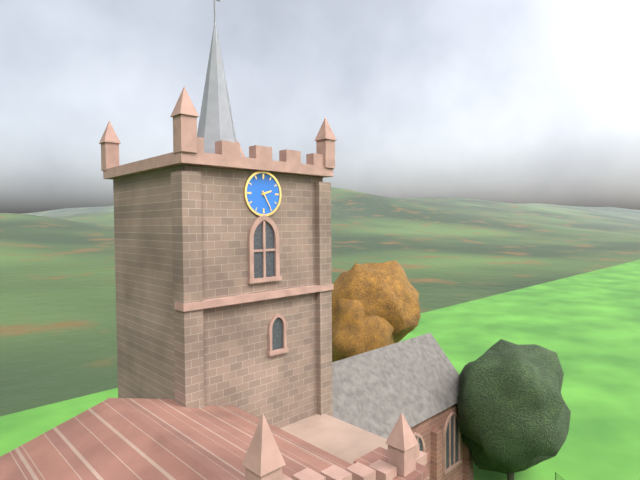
**2:25**
